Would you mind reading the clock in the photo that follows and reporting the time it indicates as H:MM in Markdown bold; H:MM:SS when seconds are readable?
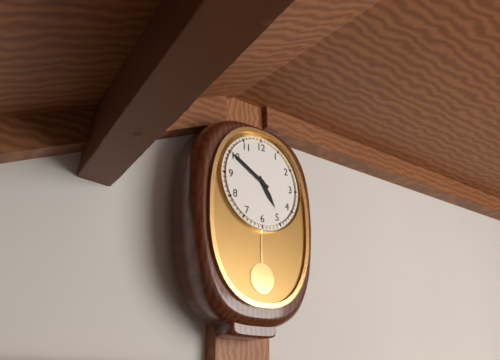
**4:50**
